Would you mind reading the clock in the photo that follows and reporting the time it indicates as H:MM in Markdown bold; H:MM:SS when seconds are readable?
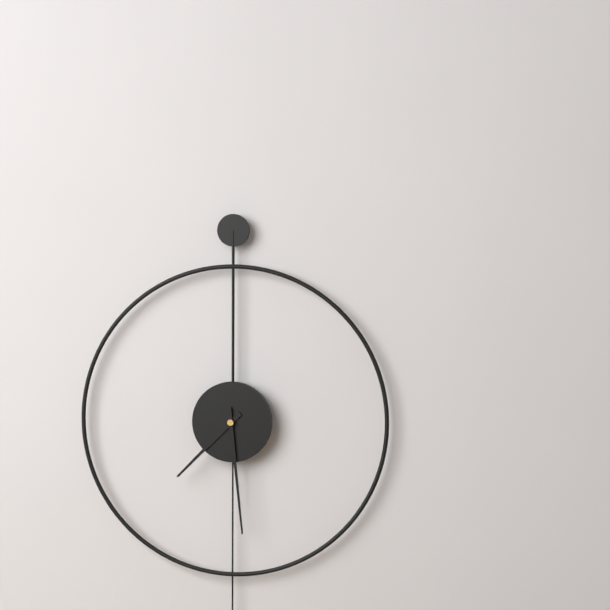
**7:29**
